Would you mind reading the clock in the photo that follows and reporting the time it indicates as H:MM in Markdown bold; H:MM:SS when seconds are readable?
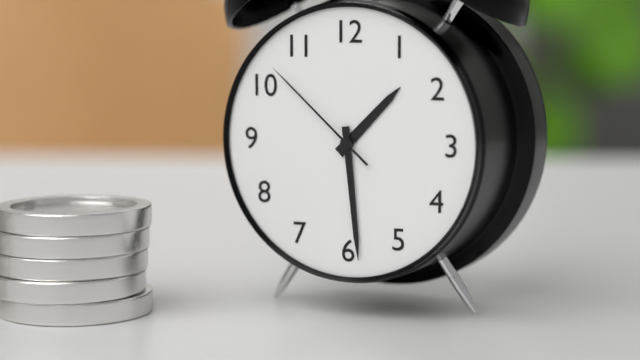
**1:29:52**
